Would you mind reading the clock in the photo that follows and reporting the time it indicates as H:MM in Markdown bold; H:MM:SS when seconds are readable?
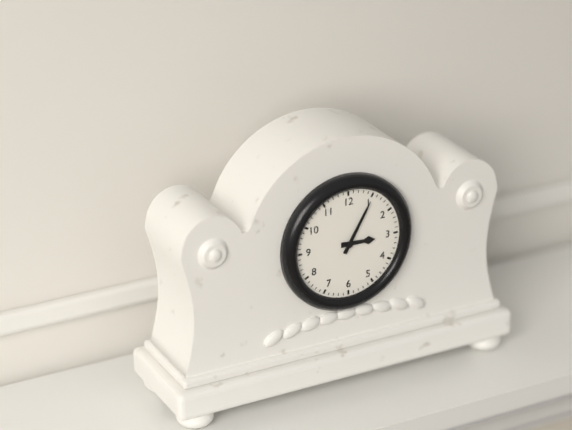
**3:05**
